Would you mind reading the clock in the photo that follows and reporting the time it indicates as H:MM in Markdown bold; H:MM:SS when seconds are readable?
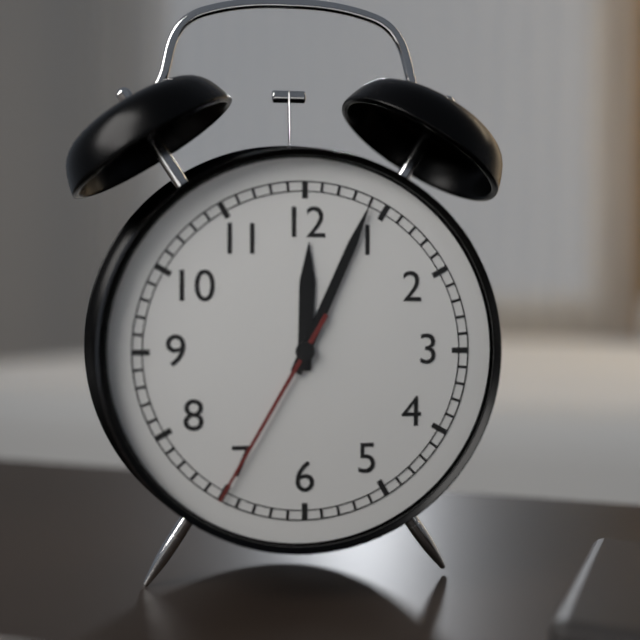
**12:04:35**
